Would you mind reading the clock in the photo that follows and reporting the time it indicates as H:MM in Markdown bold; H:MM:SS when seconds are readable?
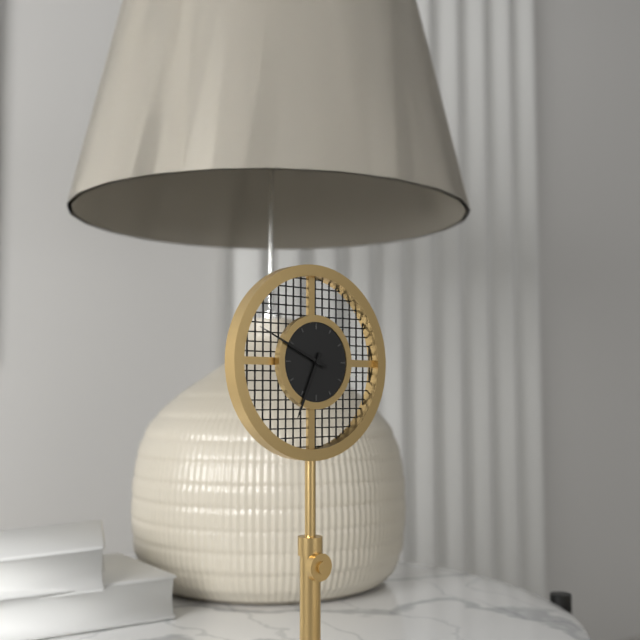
**6:49**
